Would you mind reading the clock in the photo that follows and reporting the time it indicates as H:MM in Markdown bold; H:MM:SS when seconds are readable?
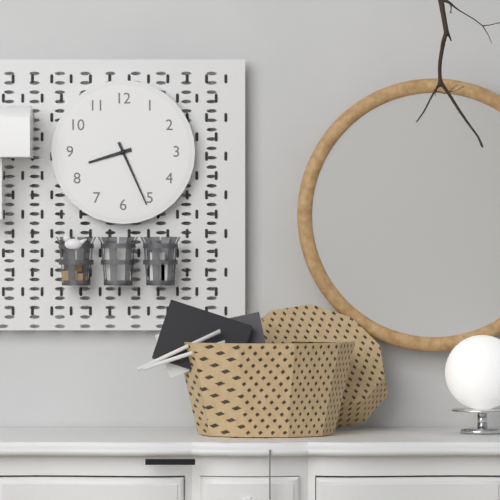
**8:26**
